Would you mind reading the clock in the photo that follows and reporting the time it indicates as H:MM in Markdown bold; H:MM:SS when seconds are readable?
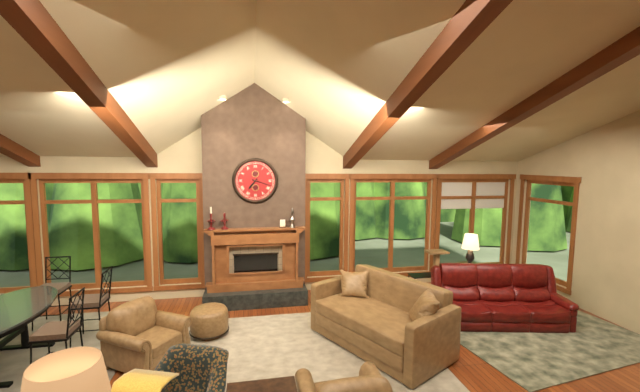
**7:18**
